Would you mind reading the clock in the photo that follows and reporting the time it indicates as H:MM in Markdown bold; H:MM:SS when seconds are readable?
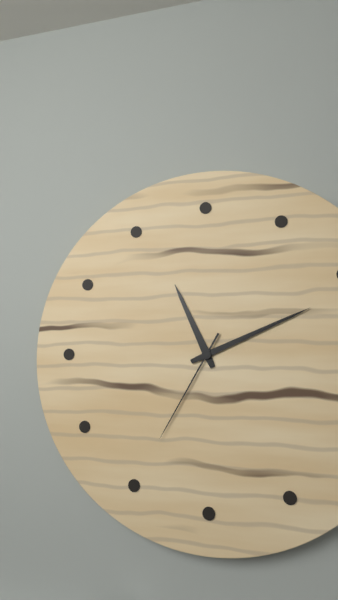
**11:11:35**
